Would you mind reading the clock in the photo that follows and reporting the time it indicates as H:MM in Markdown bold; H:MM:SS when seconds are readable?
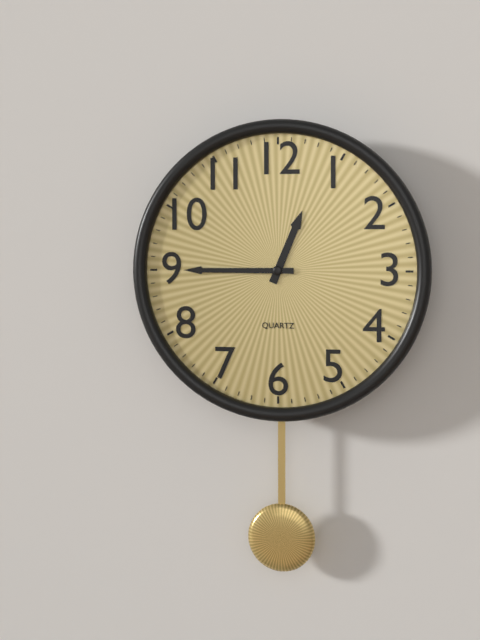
**12:45**
